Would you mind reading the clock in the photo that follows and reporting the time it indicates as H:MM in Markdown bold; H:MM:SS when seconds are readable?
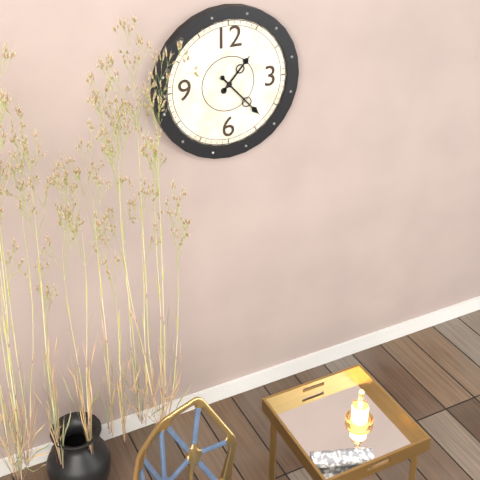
**1:23**
